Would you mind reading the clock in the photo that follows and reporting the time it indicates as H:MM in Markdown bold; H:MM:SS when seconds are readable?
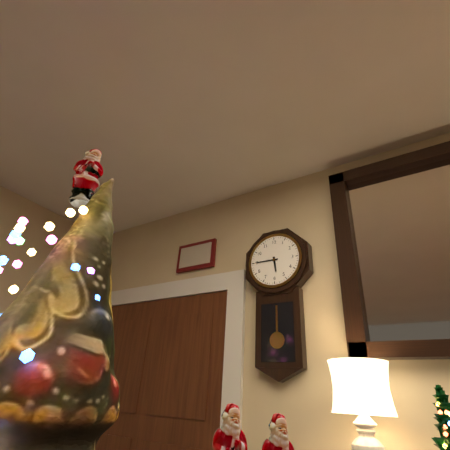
**5:45**
